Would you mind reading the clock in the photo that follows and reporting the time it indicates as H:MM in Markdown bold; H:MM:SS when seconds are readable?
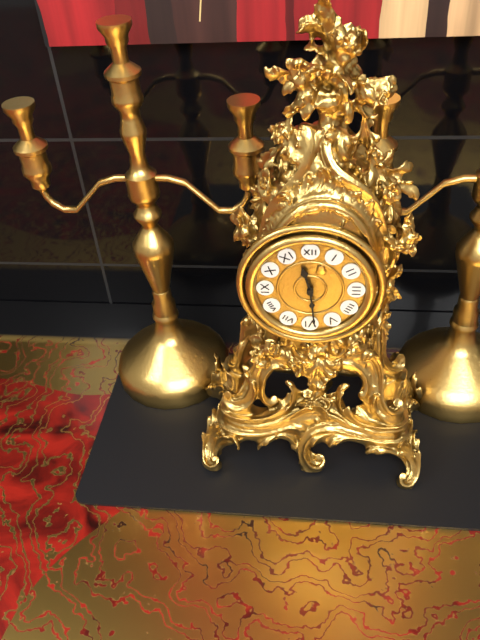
**11:29**
